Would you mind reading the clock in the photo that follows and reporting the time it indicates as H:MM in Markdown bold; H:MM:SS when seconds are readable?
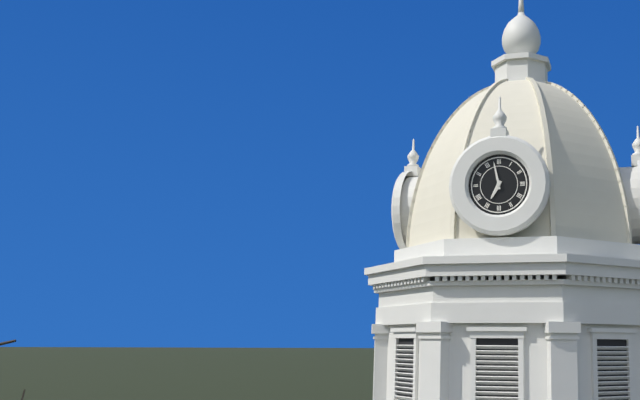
**6:58**
